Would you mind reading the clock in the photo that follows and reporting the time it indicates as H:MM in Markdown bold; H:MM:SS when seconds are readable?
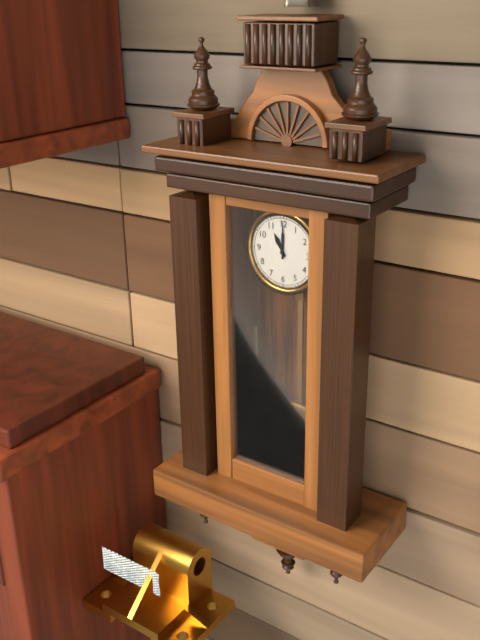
**11:00**
